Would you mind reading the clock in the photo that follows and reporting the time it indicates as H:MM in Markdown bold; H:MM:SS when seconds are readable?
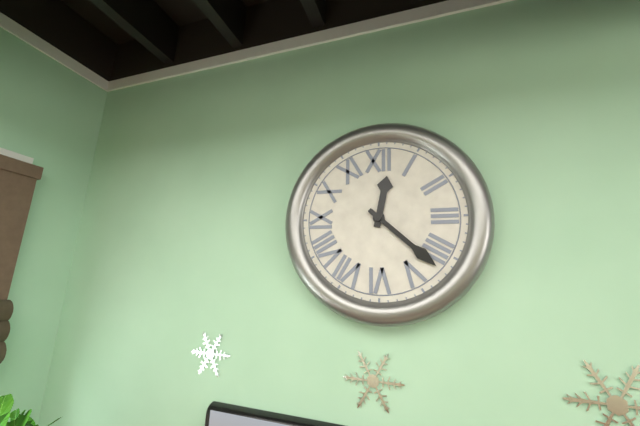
**12:22**
